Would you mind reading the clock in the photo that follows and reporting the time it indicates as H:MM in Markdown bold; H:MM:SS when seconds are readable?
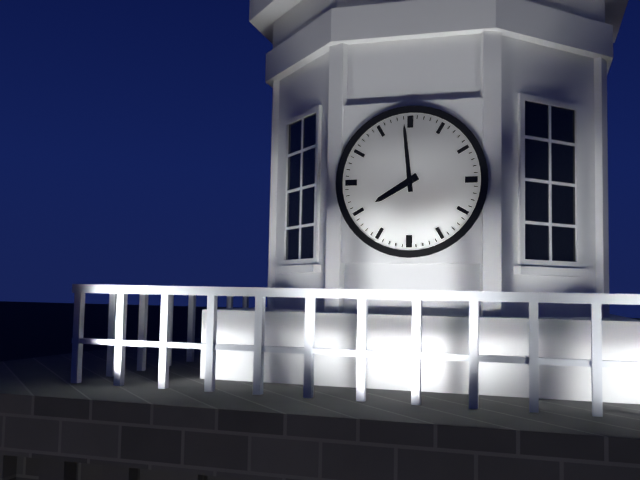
**7:59**
